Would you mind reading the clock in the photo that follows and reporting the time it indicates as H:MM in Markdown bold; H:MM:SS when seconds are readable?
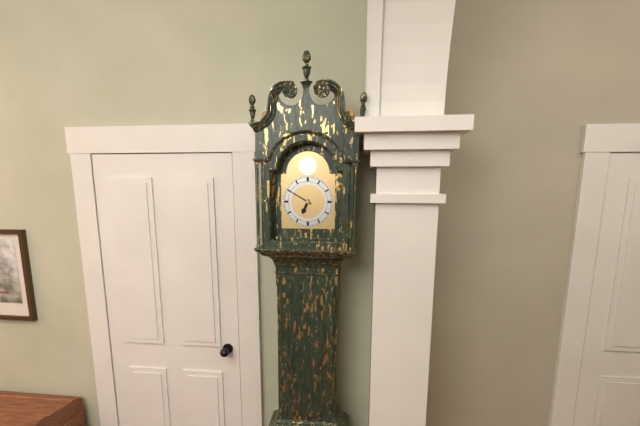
**6:50**
